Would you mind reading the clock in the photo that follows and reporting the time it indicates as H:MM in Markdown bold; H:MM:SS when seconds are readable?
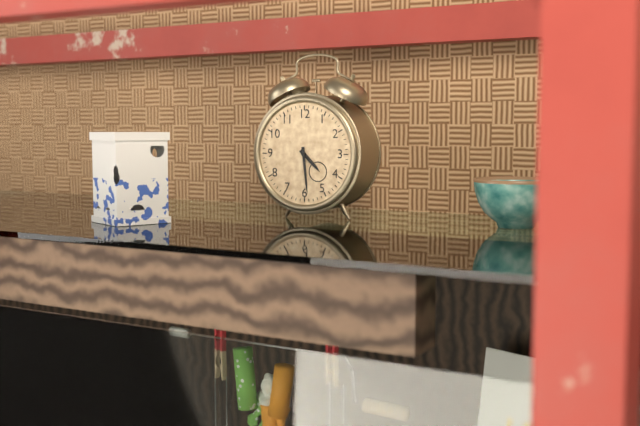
**4:29**
